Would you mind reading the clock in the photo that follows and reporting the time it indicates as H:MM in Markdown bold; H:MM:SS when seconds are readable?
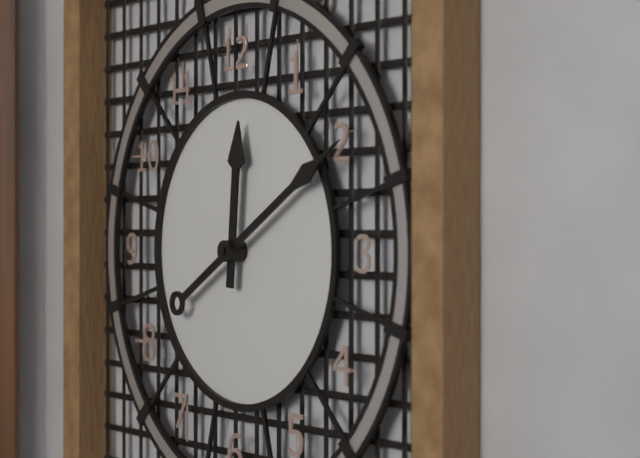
**12:10**
